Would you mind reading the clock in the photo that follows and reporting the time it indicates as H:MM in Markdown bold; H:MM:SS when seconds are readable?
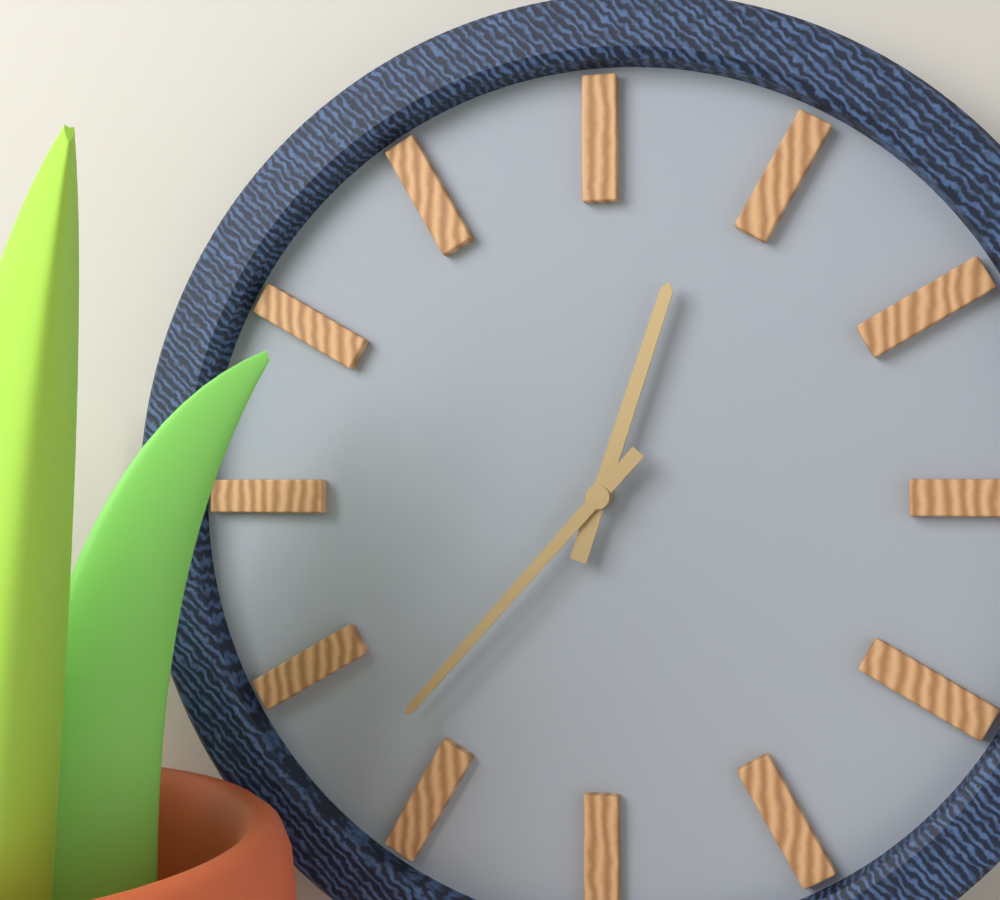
**12:37**
